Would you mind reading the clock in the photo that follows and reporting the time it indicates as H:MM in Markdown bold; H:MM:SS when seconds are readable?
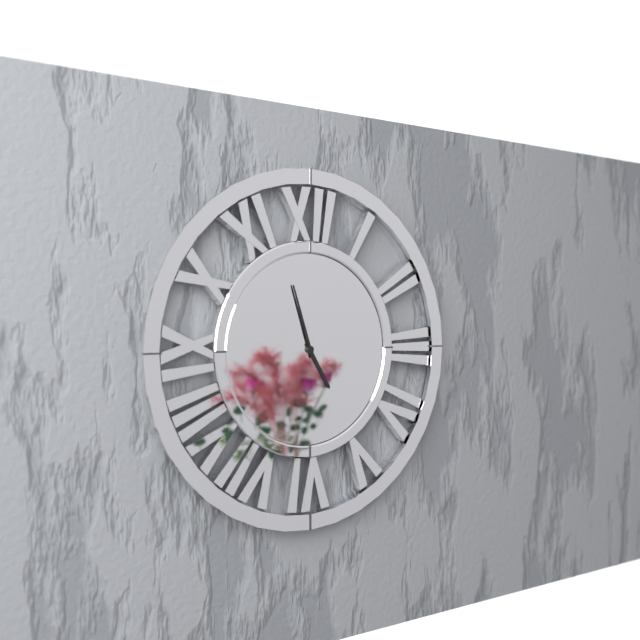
**4:57**
